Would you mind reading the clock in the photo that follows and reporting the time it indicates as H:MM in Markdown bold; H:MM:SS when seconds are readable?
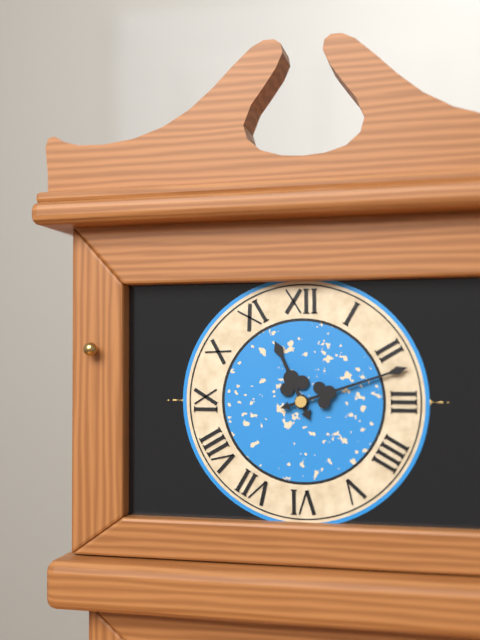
**11:12**
